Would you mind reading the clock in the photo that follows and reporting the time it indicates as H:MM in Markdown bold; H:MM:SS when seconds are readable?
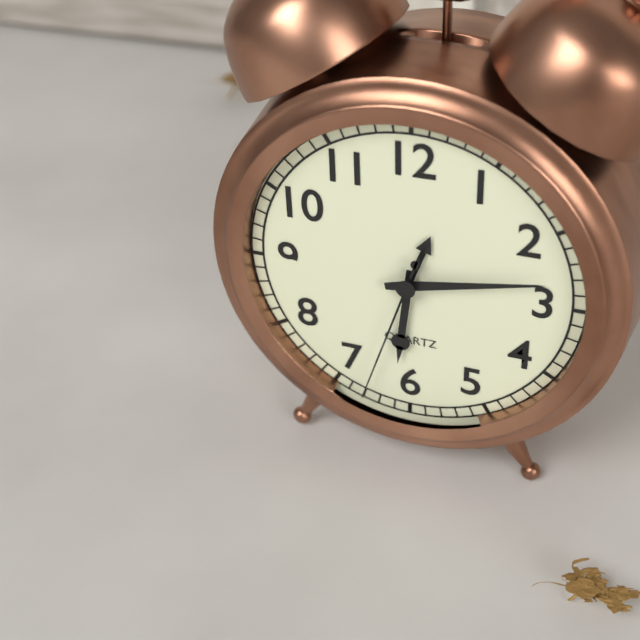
**6:13:33**
